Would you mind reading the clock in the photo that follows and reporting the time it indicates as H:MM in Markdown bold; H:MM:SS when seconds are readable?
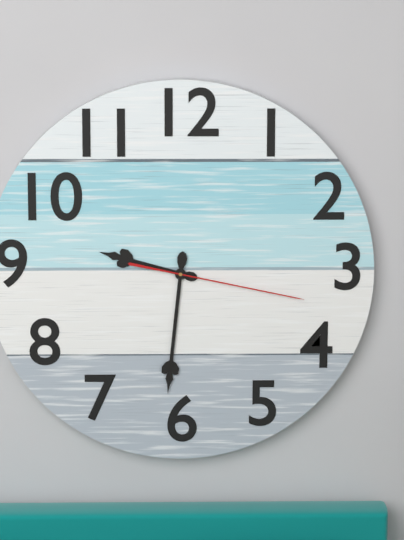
**9:31:17**
